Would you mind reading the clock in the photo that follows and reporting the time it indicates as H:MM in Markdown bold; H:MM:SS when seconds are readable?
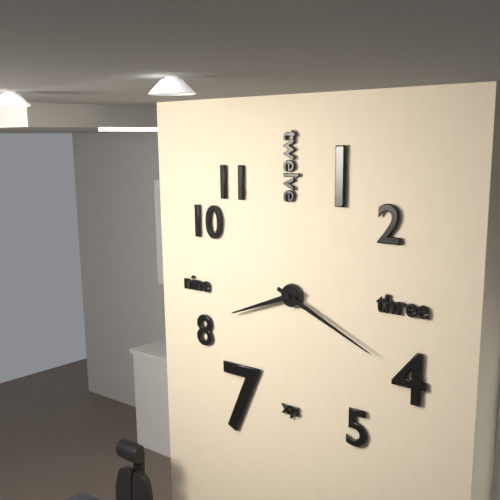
**8:19**
